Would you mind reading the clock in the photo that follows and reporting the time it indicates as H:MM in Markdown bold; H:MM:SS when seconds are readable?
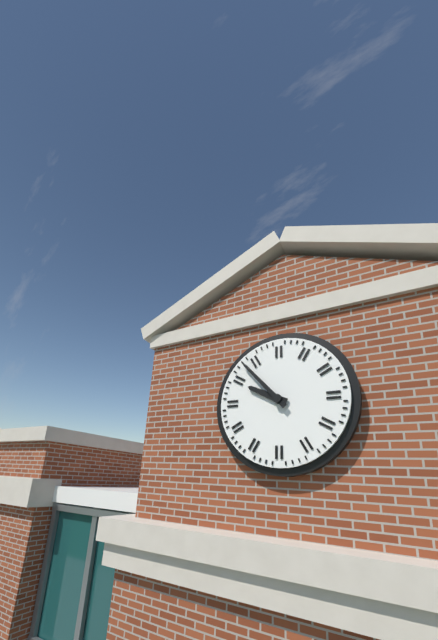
**9:53**
